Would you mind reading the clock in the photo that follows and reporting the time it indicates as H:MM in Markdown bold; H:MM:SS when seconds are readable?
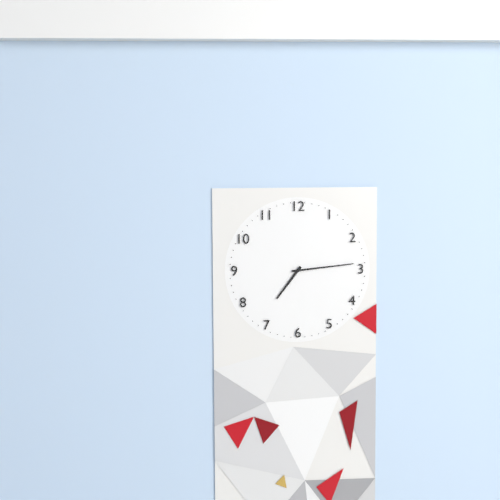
**7:14**
